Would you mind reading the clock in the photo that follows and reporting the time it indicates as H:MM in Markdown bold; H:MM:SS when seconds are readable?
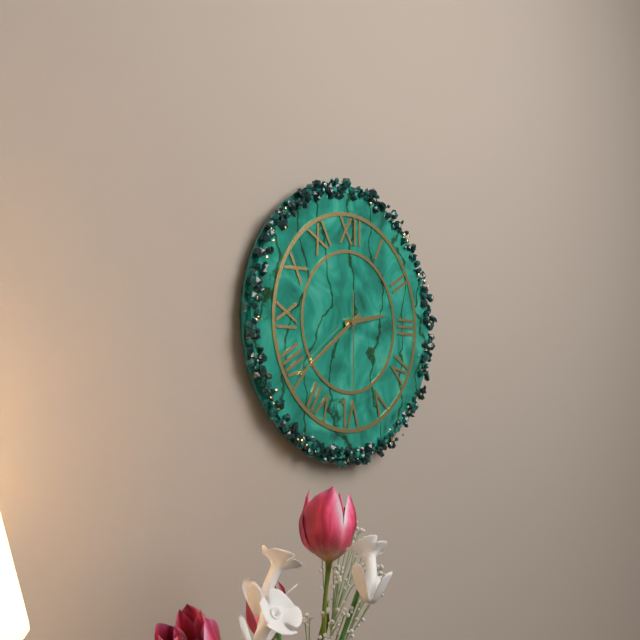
**2:39:30**
